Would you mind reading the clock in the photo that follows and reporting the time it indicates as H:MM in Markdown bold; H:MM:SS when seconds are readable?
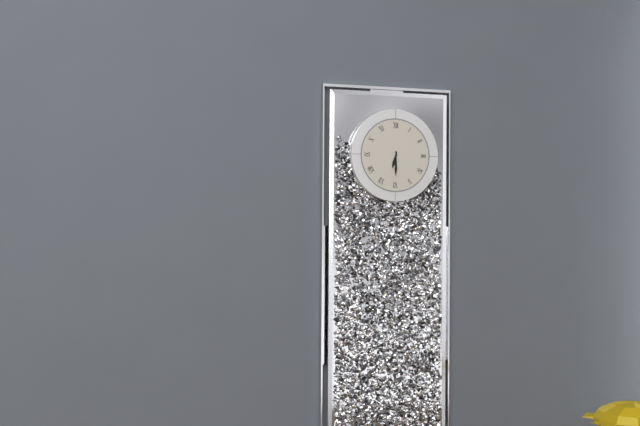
**6:30**
